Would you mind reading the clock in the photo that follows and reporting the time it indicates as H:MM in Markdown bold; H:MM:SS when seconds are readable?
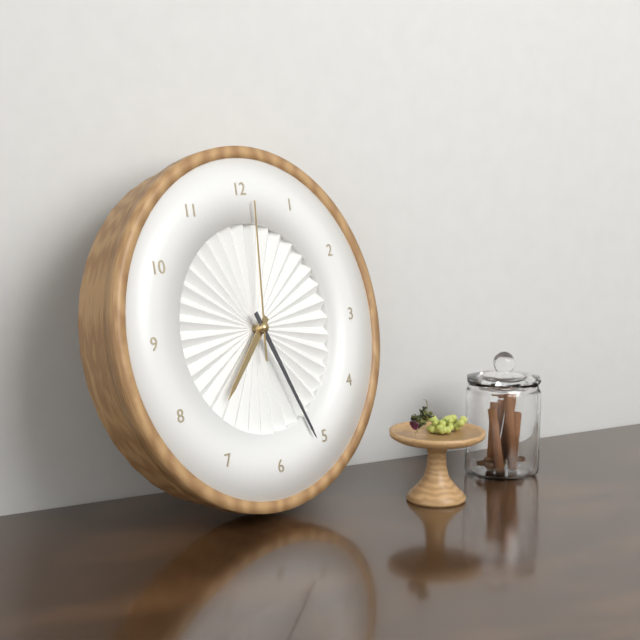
**7:26:01**
